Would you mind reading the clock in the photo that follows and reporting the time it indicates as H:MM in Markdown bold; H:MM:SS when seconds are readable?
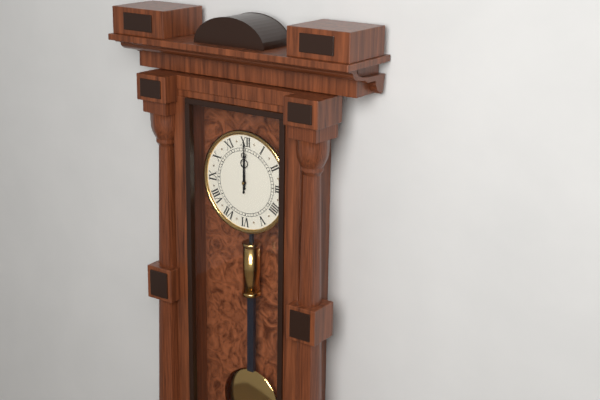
**12:00**
